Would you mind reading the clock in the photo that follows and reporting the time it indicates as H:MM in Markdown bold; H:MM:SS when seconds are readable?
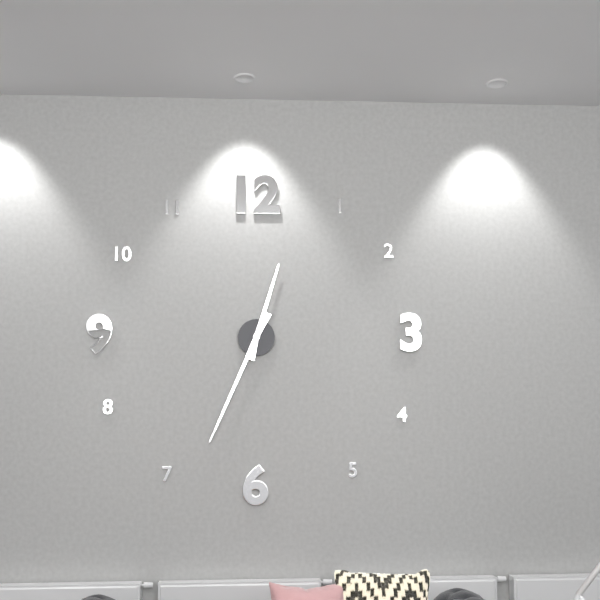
**12:34**
